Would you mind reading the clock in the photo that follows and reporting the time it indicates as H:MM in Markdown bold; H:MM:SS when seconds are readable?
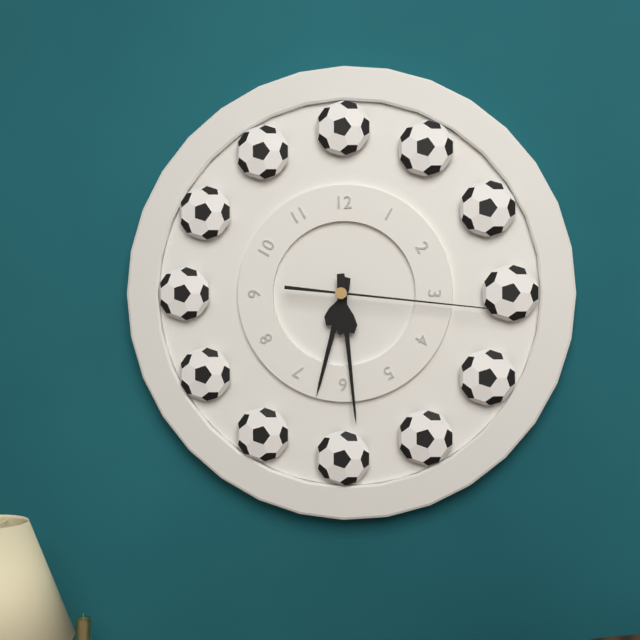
**6:29:16**
